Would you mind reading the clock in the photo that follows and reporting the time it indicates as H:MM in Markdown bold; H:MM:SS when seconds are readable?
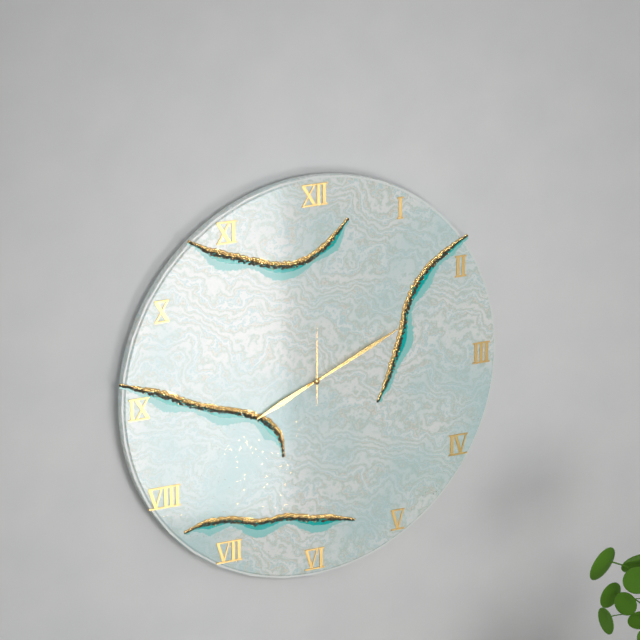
**8:11:00**
